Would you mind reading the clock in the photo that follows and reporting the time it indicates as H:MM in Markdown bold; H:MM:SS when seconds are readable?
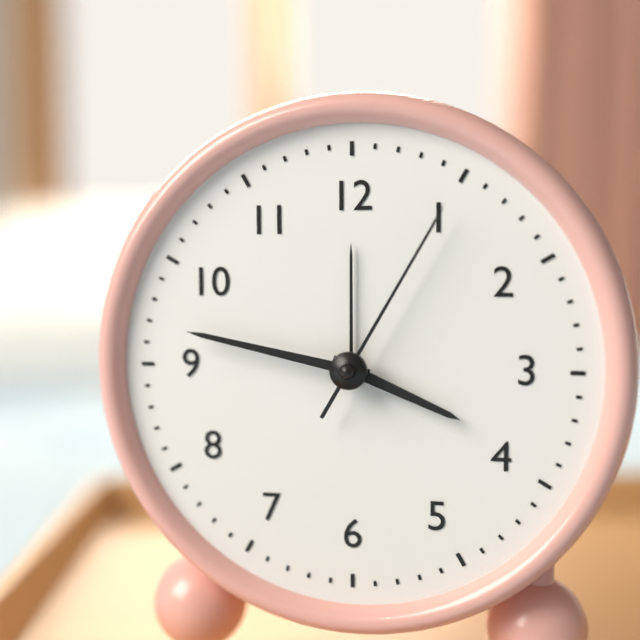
**3:47:05**
